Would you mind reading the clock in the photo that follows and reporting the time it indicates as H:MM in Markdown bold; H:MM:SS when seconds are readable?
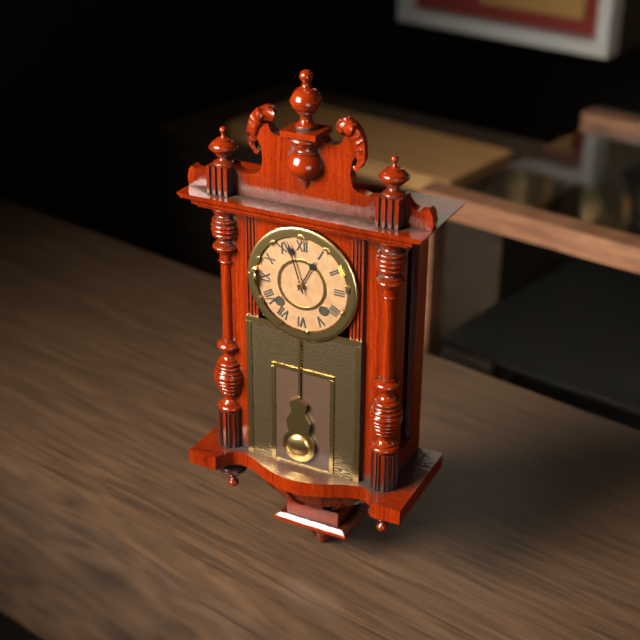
**12:57**
